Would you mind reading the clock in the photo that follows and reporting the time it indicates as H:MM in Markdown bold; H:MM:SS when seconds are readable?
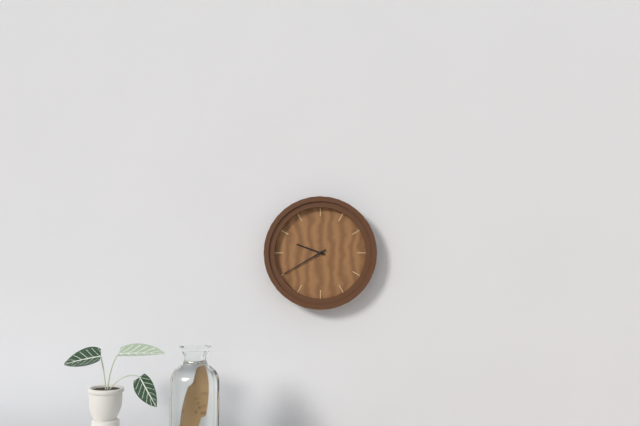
**9:40**
